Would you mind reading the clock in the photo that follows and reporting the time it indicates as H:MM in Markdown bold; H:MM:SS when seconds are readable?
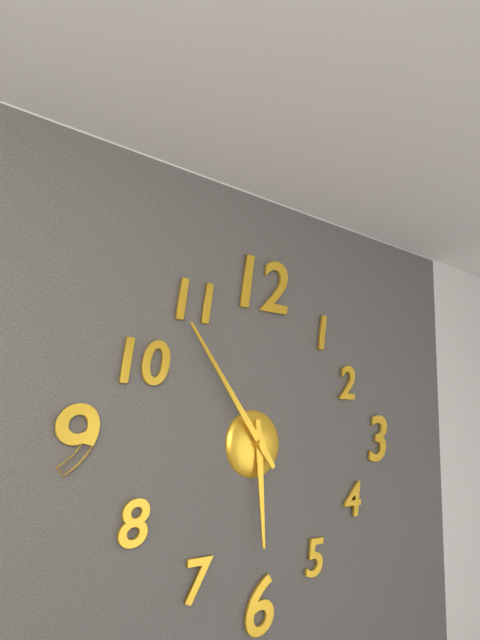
**5:54**
